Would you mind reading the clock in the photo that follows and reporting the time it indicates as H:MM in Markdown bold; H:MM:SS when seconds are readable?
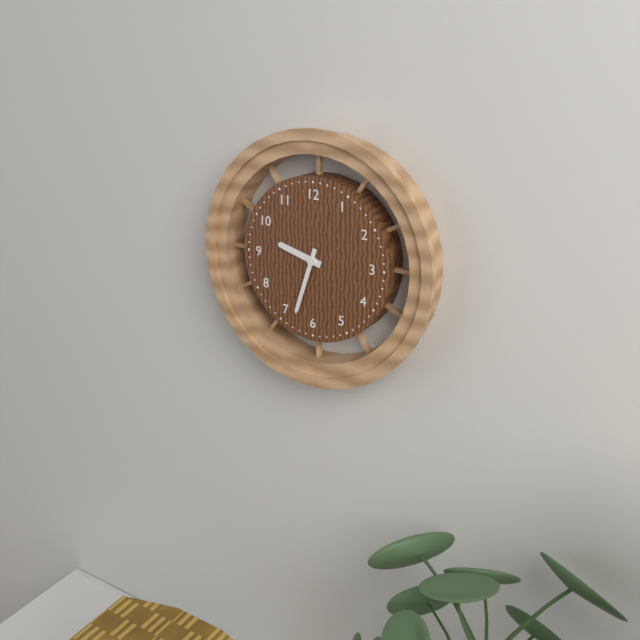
**9:33**
